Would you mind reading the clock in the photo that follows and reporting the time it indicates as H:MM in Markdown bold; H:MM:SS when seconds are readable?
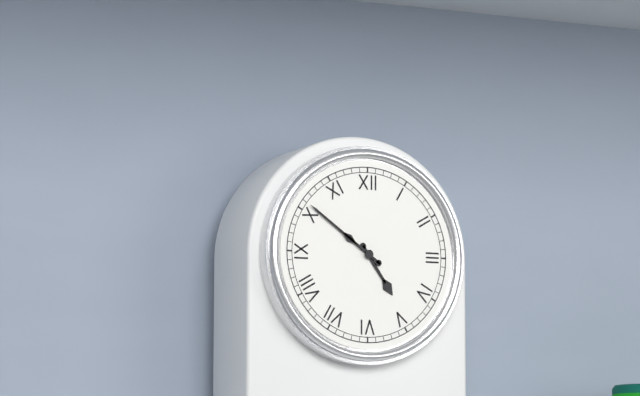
**4:51**
